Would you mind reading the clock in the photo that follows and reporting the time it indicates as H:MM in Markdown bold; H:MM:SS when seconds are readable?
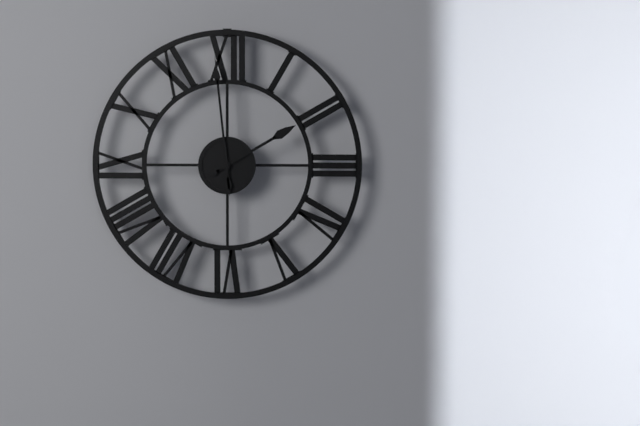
**1:59**
